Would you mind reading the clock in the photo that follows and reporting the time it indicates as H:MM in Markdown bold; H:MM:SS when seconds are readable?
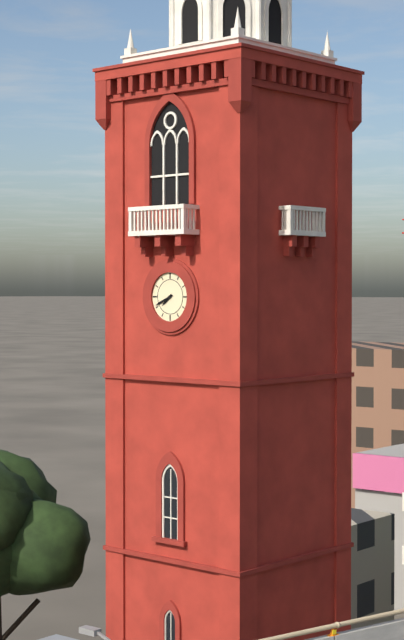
**7:41**
